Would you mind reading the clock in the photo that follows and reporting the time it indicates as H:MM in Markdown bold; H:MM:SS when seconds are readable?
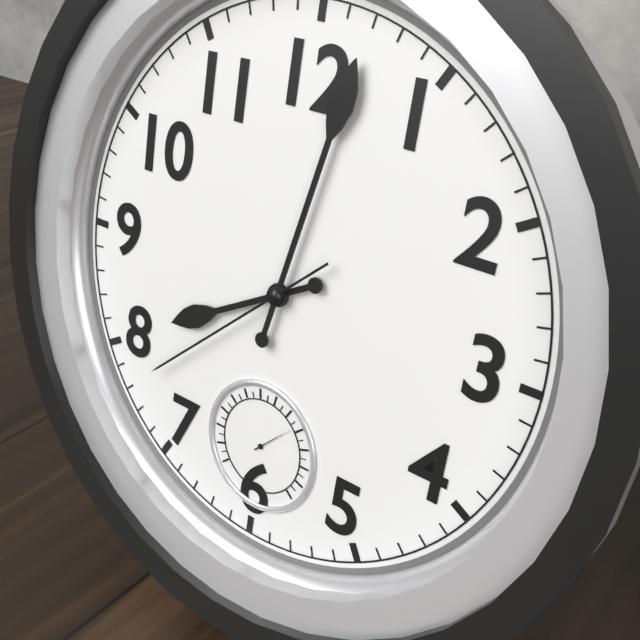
**8:02:38**
